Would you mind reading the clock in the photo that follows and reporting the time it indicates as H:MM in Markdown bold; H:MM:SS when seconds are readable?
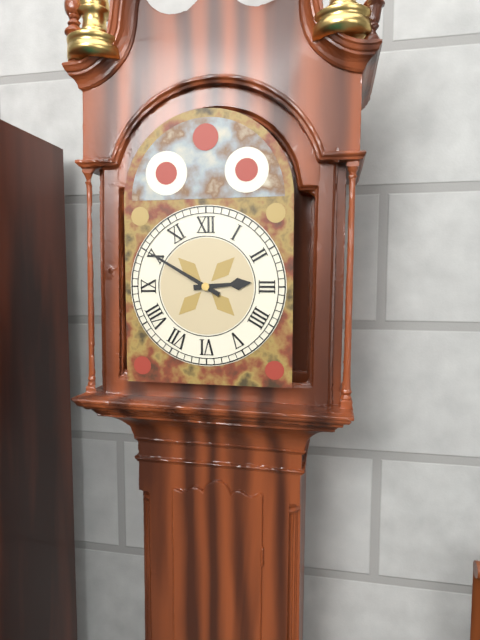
**2:50**
